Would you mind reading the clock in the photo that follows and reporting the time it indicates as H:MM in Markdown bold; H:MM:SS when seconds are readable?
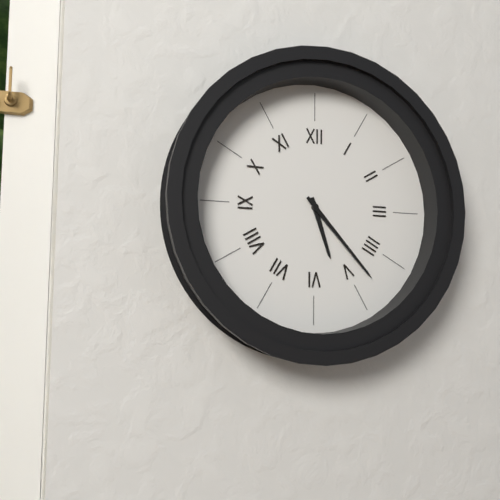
**5:23**
